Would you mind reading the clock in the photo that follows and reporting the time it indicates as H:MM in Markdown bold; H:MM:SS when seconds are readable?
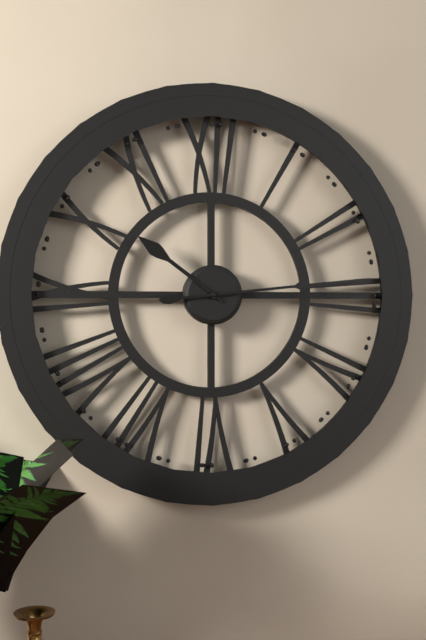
**10:14**
